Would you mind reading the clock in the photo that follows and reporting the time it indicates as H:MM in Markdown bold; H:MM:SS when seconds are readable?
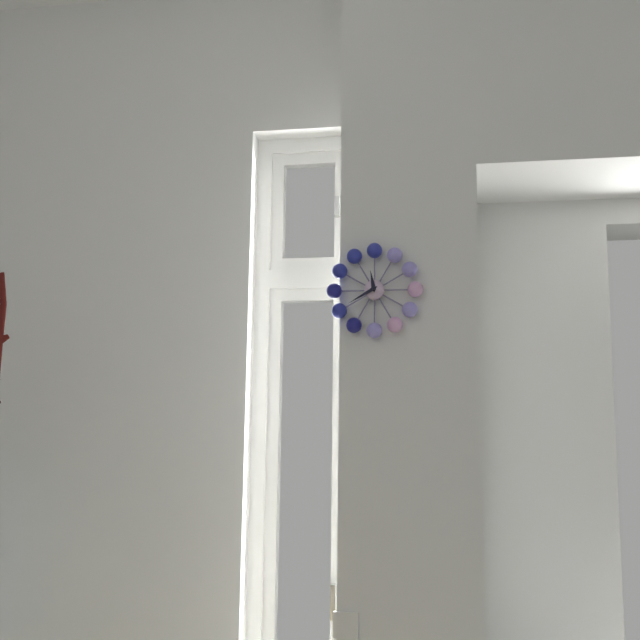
**11:40**
